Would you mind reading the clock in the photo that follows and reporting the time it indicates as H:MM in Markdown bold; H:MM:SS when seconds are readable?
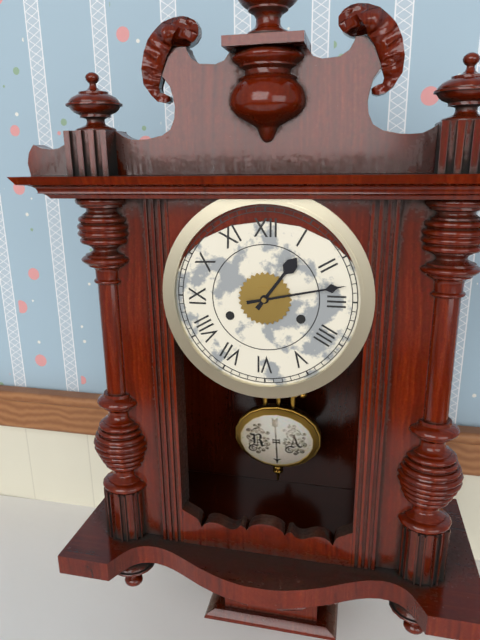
**1:13**
